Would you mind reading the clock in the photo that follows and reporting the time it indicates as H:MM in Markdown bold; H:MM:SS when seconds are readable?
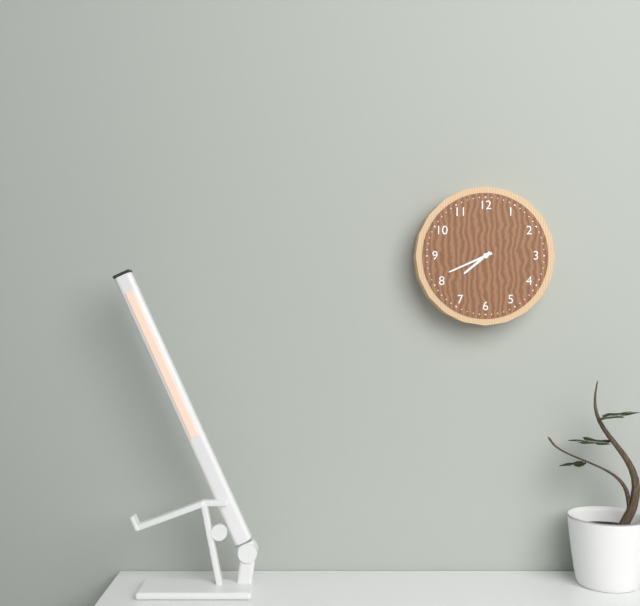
**7:41**
